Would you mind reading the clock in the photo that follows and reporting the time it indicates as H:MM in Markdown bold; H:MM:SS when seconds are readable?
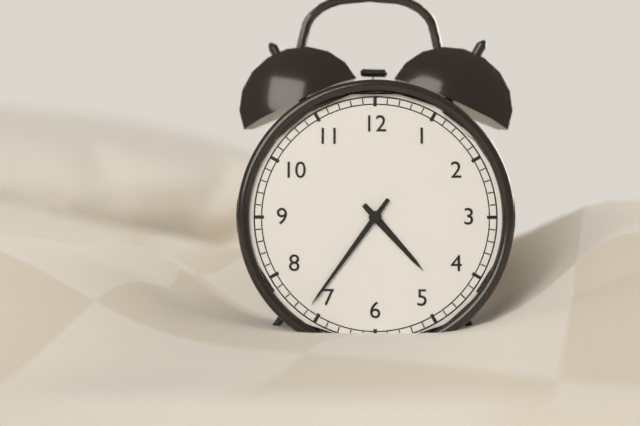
**4:36**
